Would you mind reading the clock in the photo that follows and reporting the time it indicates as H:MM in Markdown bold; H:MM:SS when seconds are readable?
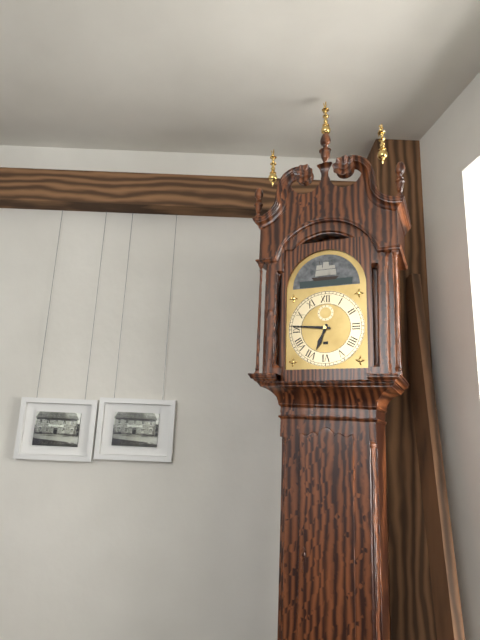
**6:46**
